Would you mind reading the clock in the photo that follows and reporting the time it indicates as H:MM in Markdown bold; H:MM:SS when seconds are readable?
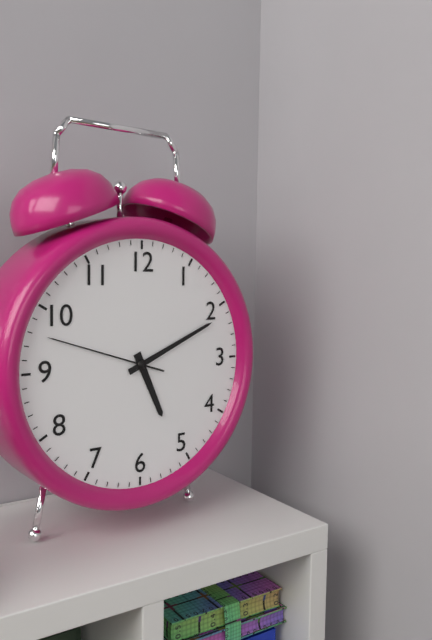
**5:11:48**
